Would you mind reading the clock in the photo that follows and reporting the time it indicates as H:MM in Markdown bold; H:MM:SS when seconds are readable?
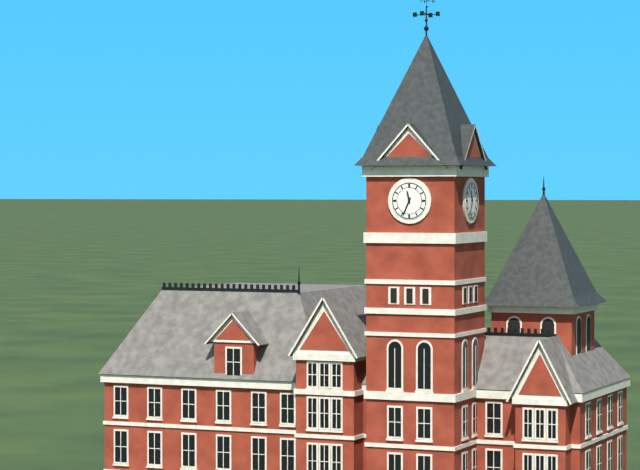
**11:34**
